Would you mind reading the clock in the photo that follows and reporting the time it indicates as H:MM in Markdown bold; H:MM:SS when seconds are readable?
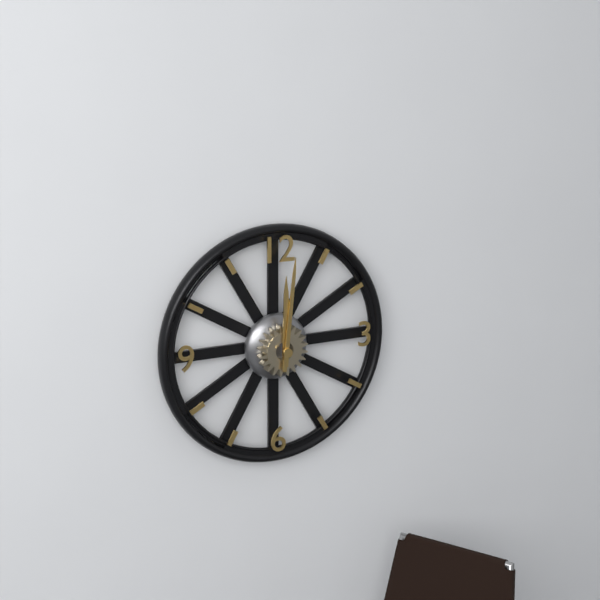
**12:01**
